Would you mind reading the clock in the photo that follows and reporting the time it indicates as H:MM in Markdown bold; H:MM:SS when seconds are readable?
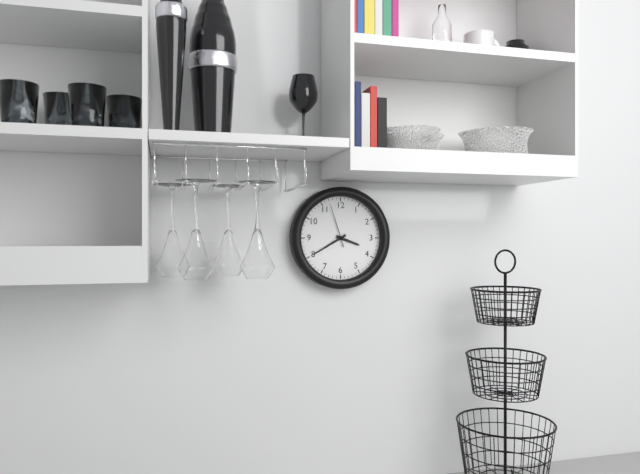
**3:40**
